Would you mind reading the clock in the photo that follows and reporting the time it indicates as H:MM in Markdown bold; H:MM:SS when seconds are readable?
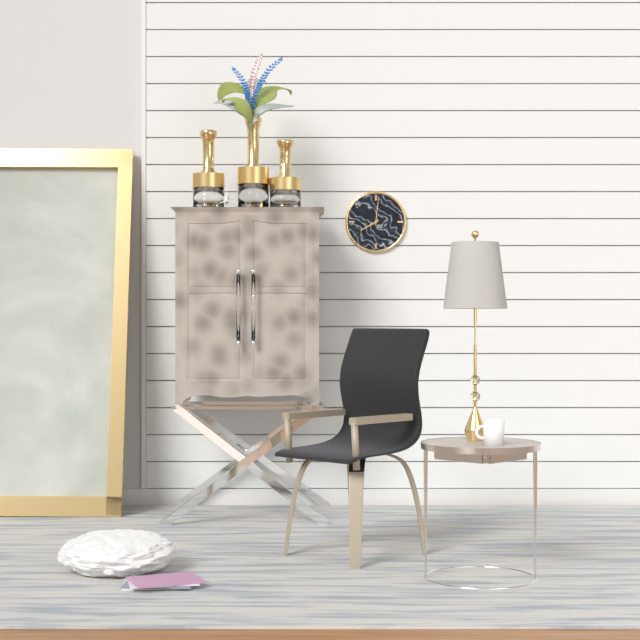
**8:01**
